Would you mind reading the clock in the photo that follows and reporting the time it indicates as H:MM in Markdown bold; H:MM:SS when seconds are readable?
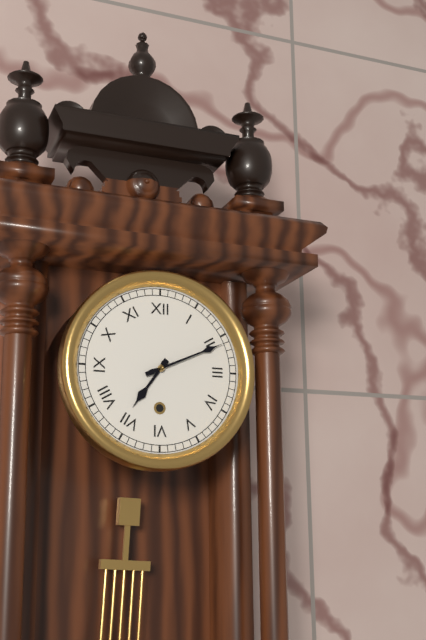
**7:11**
